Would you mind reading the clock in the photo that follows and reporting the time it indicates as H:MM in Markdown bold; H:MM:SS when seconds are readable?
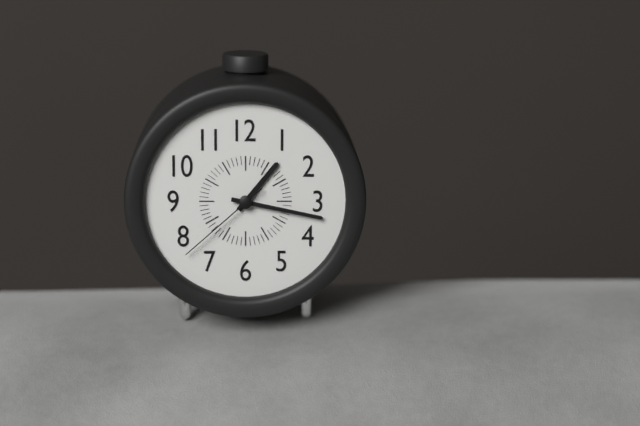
**1:17:38**
